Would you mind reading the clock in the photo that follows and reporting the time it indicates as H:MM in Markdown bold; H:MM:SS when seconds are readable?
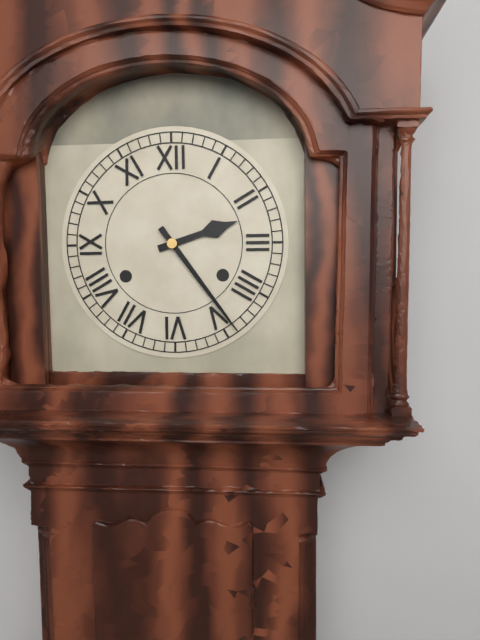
**2:24**
